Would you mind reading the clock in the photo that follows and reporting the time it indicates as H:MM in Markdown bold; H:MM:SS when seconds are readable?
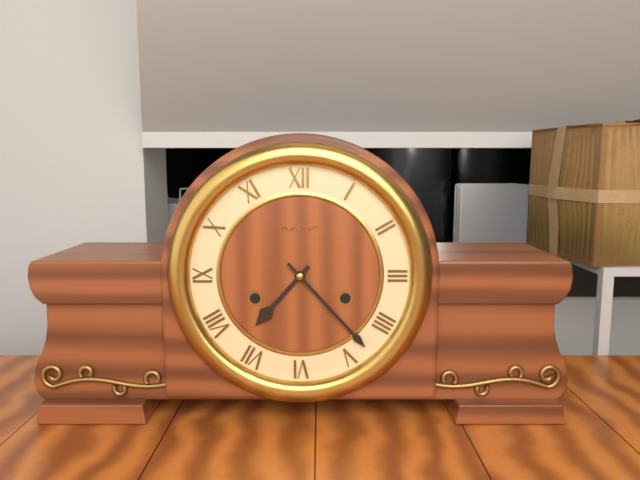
**7:23**
